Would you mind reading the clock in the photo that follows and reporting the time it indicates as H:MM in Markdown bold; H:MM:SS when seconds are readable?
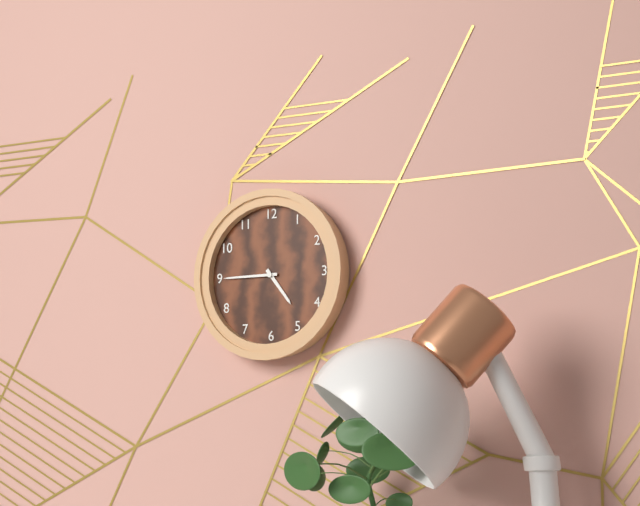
**4:45**
